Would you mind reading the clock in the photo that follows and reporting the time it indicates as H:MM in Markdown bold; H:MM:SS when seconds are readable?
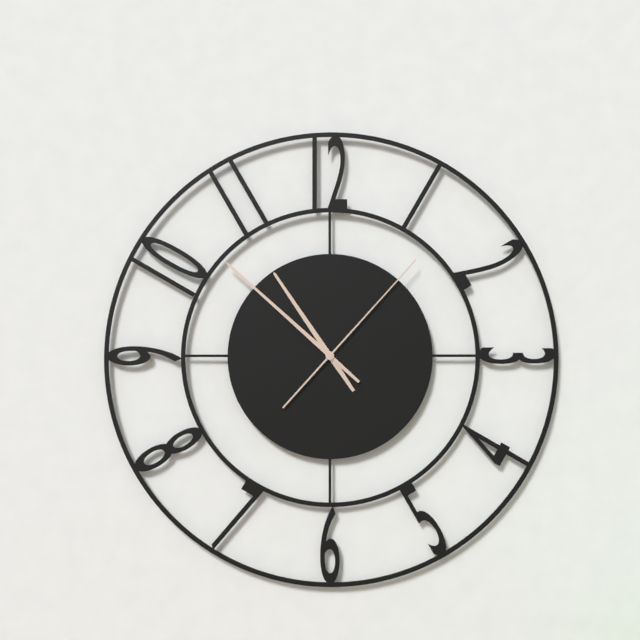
**10:52:07**
